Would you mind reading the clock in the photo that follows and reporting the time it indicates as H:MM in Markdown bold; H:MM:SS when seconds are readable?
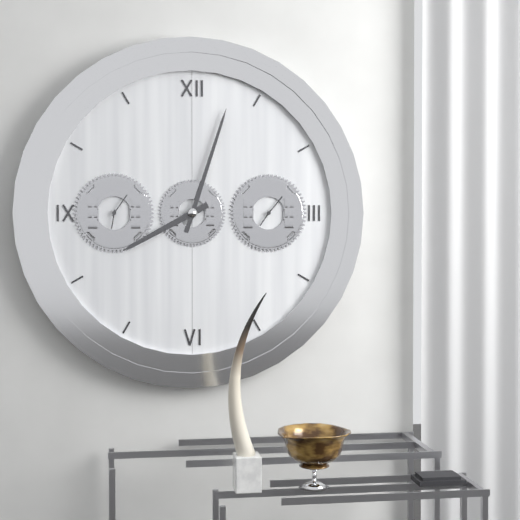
**8:03**
